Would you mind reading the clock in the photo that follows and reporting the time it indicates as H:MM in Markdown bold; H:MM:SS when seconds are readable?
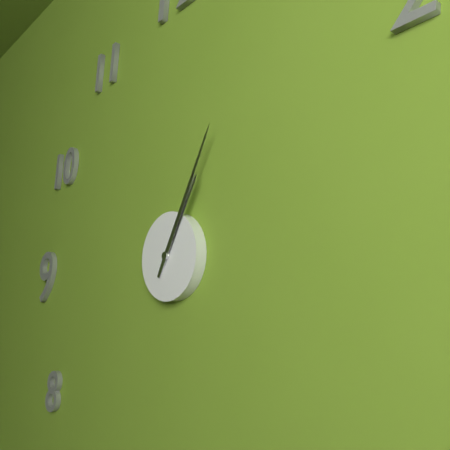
**1:05**
